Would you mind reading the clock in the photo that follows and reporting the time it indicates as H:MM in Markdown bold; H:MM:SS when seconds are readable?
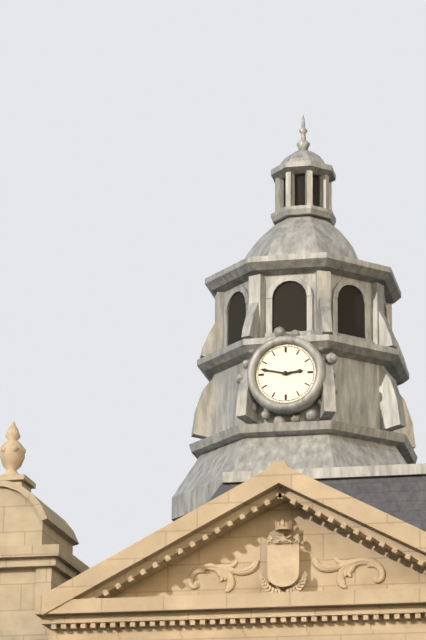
**2:47**
